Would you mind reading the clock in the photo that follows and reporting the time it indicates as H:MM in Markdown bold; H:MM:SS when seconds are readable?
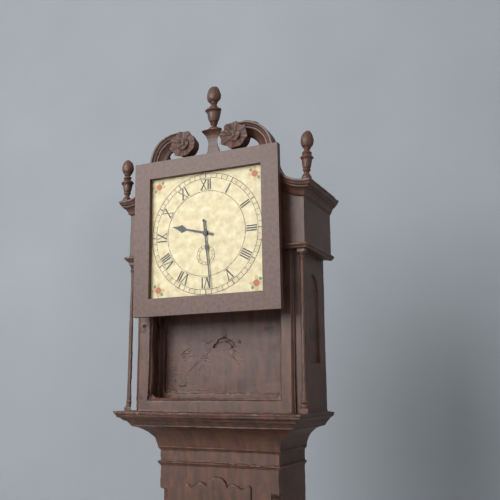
**9:29**
